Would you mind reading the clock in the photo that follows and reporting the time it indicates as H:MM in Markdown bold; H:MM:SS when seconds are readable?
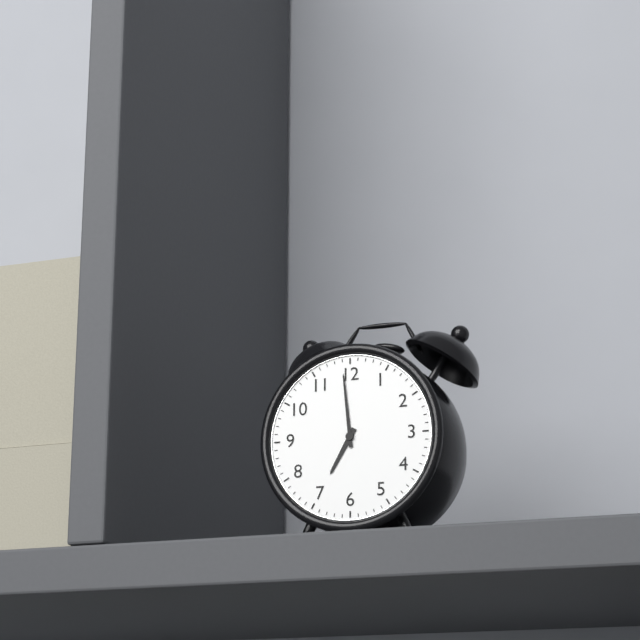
**6:59**
